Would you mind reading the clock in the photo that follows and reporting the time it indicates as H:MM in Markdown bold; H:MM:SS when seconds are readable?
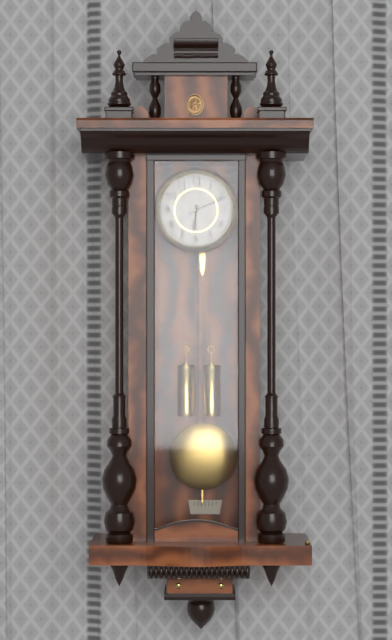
**6:11**
